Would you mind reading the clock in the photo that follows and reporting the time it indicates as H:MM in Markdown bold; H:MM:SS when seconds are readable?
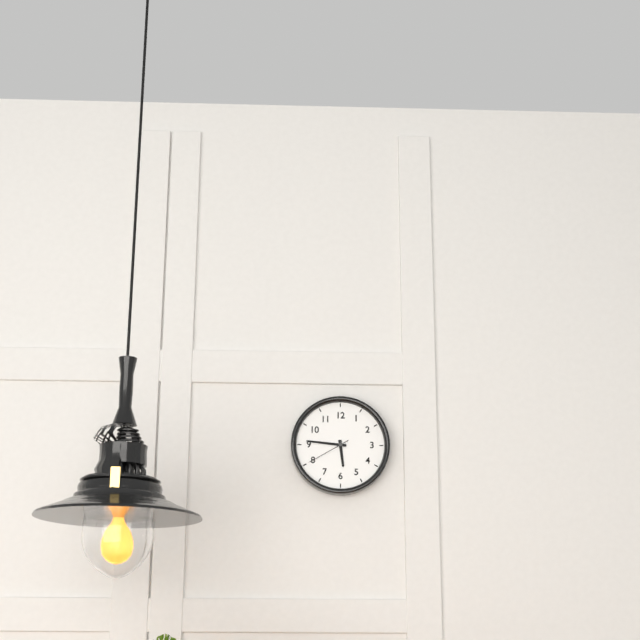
**5:46**
